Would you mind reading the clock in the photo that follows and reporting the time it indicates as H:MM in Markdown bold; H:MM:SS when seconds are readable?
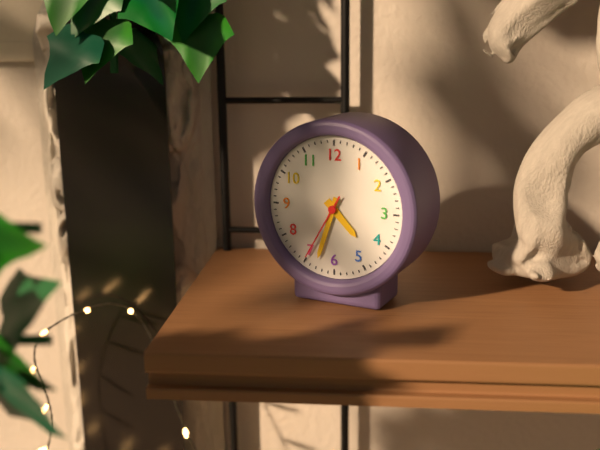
**4:33:35**
